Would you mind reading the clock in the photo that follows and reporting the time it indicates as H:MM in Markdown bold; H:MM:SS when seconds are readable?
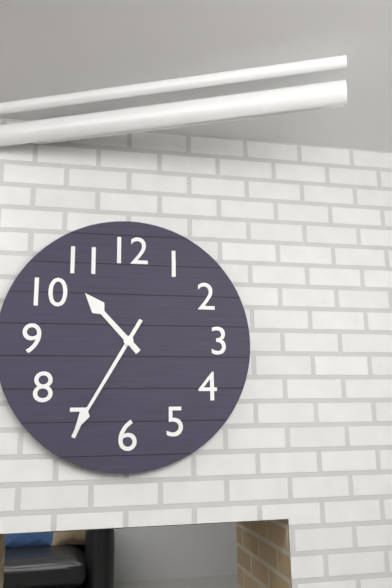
**10:35**
